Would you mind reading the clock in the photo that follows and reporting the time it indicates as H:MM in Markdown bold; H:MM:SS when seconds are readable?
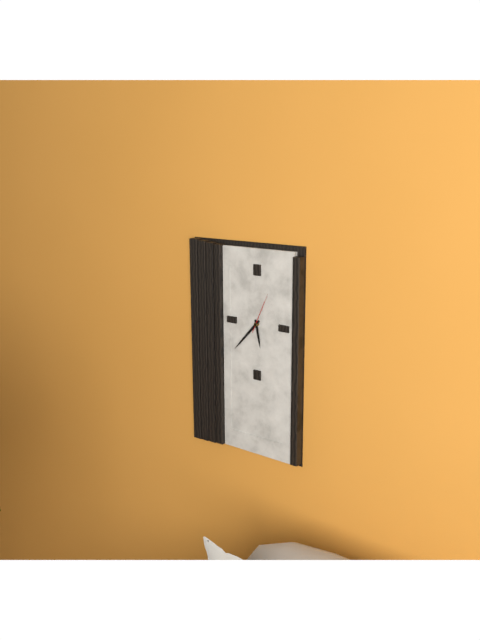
**5:37**
